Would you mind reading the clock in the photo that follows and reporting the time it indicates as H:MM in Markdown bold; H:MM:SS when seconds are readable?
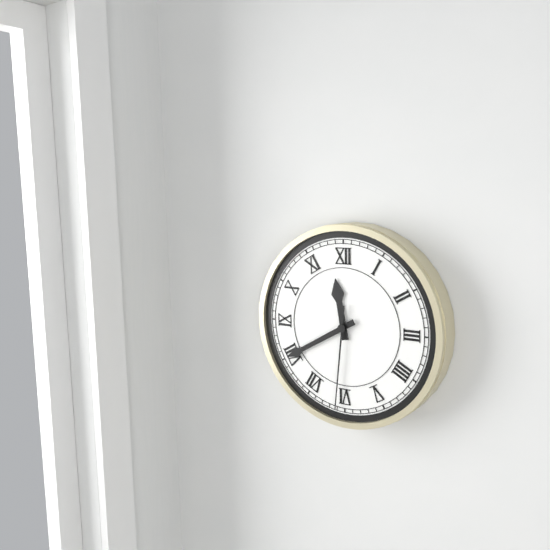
**11:40:31**
